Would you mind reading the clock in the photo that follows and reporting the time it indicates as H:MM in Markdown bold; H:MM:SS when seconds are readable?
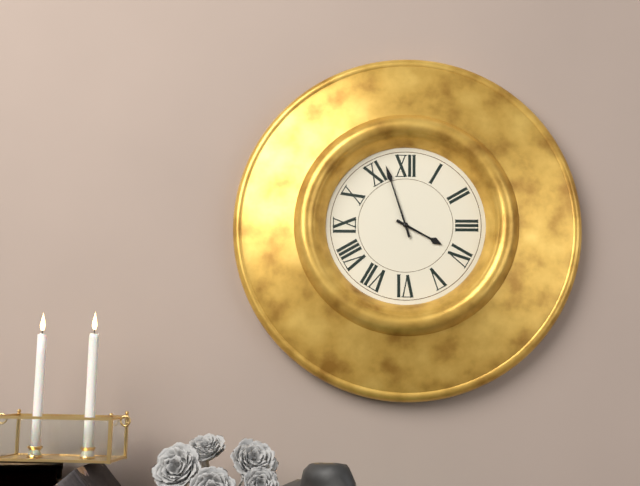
**3:57**
